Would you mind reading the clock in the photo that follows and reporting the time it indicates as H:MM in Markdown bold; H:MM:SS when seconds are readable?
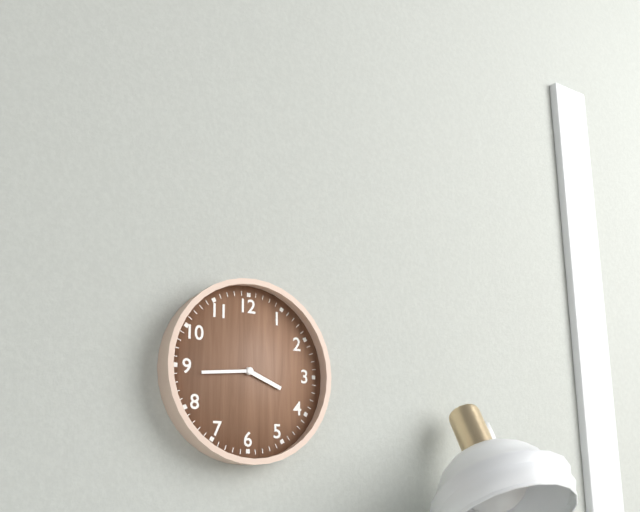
**3:44**
